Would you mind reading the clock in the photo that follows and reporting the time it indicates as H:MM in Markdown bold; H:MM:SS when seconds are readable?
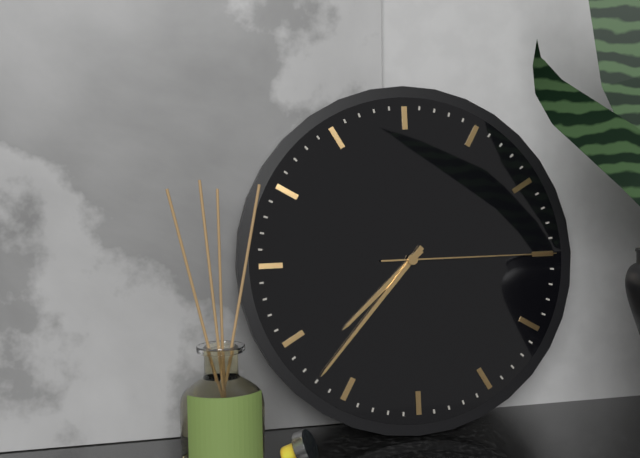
**7:37:15**
